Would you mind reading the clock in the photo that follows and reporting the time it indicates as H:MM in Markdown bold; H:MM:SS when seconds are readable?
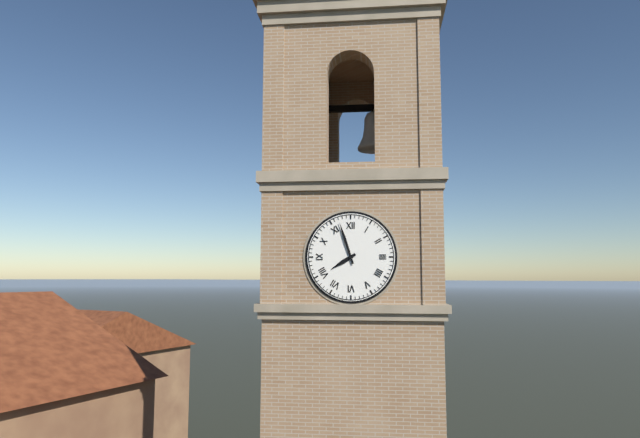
**7:57**
